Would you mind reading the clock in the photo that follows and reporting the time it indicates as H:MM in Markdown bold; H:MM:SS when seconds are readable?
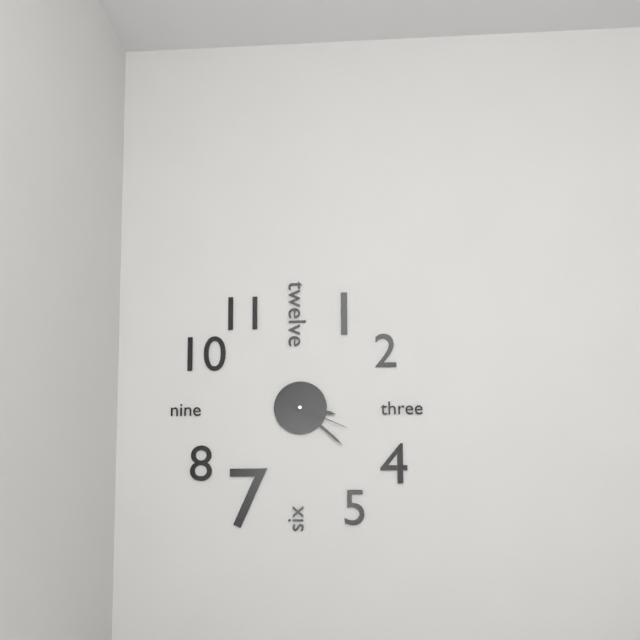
**3:22:19**
